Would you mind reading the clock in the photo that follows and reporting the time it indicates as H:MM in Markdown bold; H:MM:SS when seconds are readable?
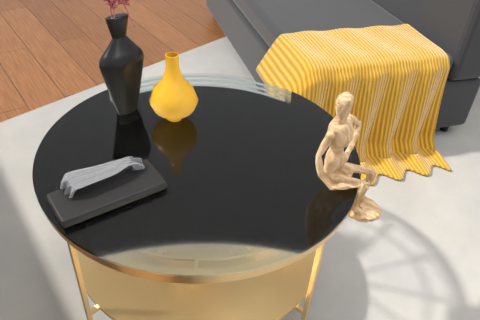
**2:38**
